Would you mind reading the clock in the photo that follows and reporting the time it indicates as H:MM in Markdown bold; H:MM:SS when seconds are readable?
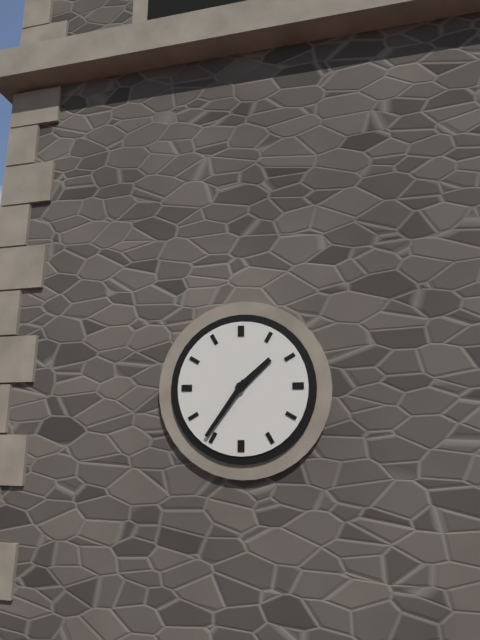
**1:36**
